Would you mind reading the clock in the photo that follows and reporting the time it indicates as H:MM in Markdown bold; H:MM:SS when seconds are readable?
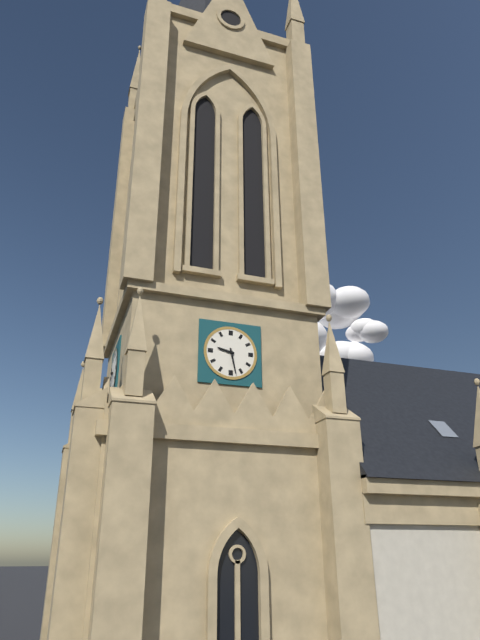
**9:28**
